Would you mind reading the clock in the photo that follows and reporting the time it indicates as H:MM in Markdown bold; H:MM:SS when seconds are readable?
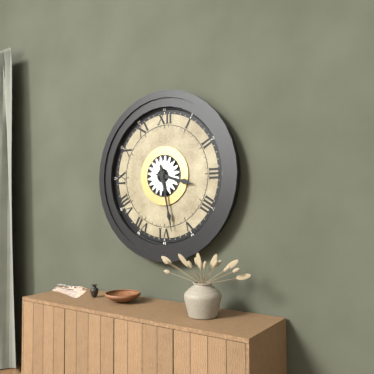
**3:28**
